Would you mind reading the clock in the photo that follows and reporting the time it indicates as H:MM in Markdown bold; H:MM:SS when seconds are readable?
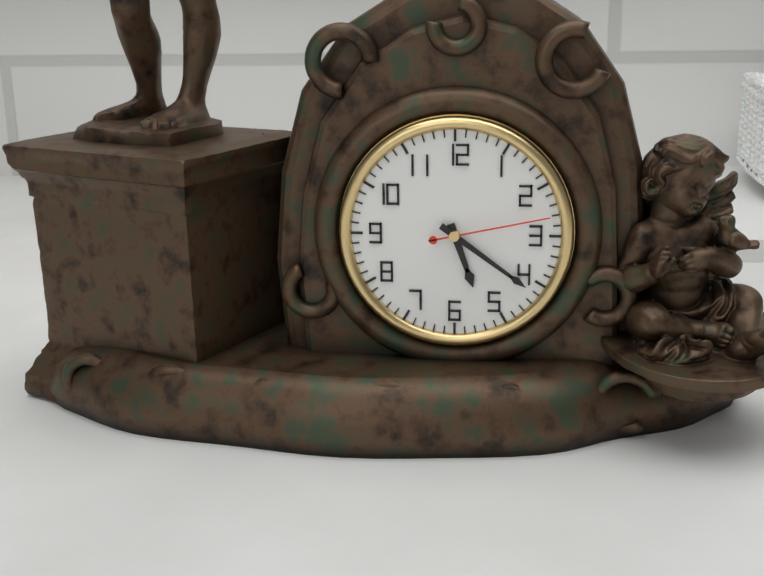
**5:21:13**
